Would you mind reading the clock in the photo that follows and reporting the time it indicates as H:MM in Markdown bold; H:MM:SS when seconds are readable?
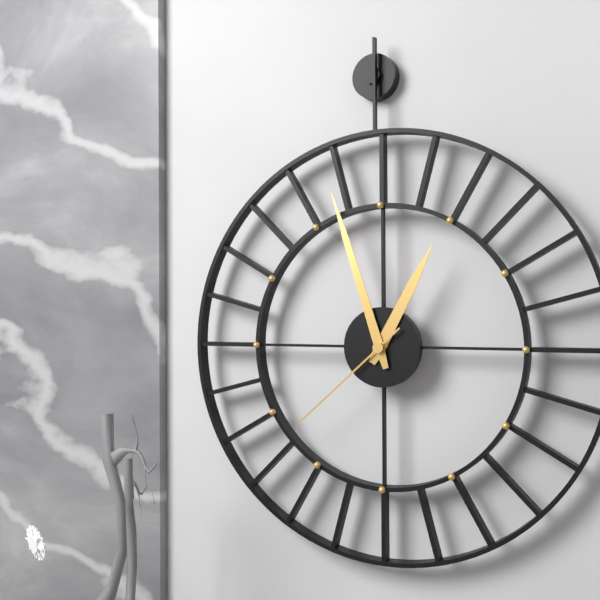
**12:57:38**
